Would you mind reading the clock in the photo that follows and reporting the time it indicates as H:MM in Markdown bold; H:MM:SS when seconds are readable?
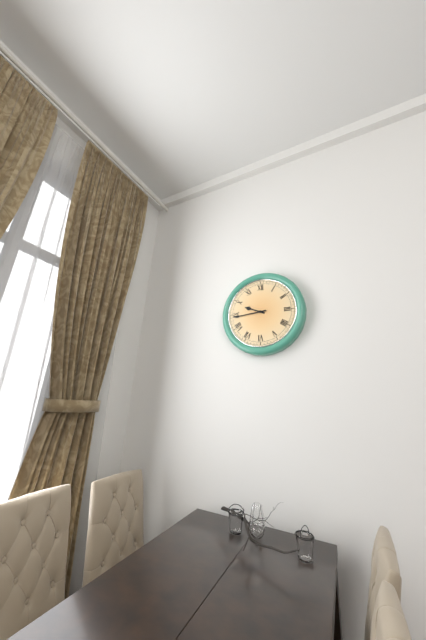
**9:44**
